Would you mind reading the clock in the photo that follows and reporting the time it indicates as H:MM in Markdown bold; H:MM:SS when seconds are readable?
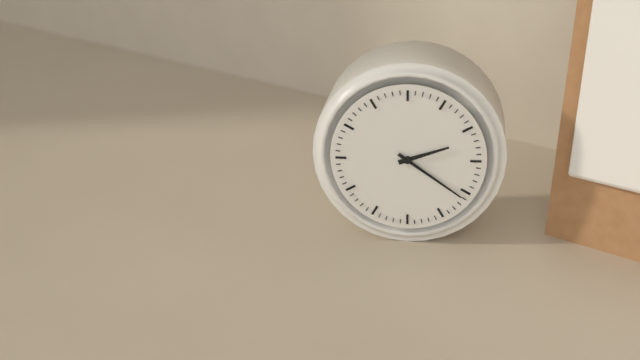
**2:21**
